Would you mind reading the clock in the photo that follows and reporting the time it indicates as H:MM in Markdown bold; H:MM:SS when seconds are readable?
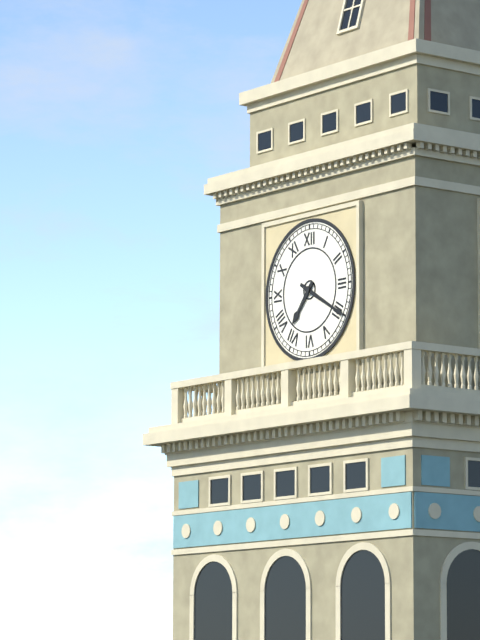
**7:20**
